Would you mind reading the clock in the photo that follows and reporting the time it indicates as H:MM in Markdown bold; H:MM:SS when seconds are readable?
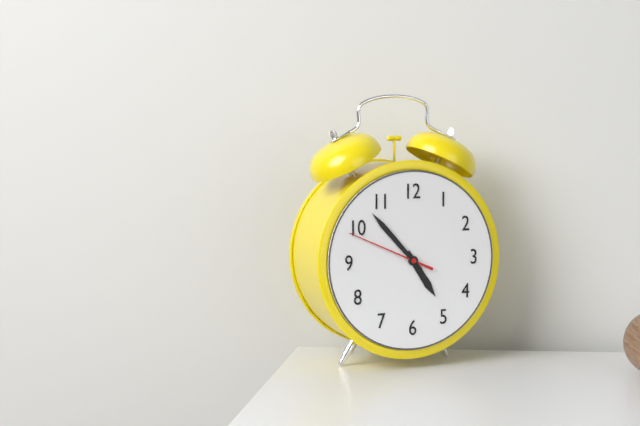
**4:53:49**
